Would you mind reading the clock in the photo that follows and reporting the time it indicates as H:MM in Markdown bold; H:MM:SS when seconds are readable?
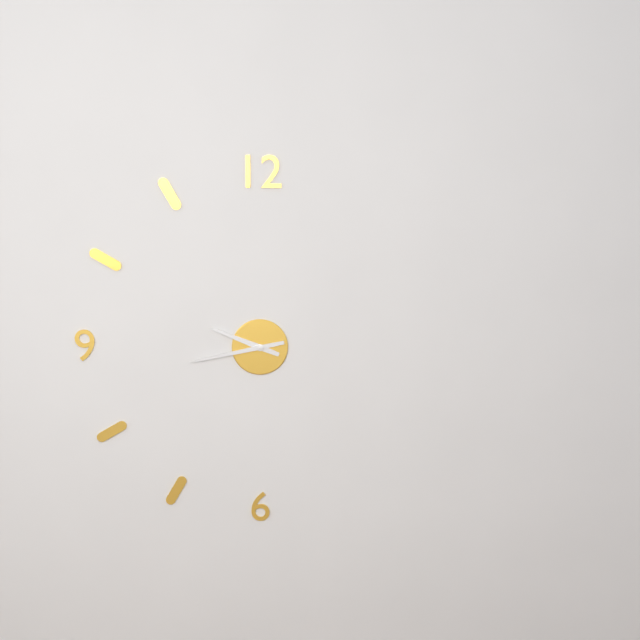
**9:43**
